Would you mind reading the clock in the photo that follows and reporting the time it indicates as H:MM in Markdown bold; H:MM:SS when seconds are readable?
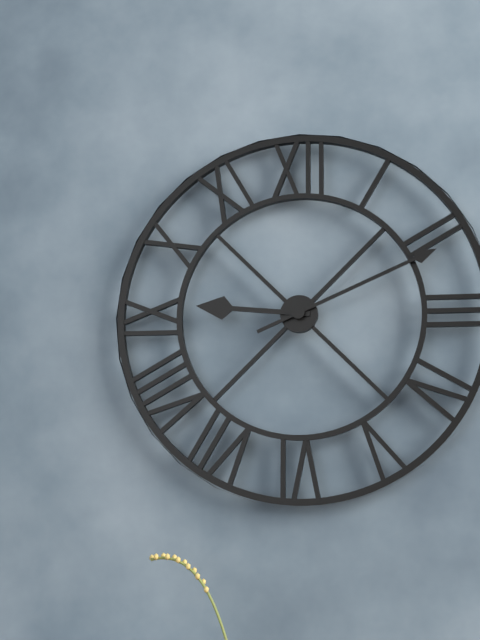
**9:11**
